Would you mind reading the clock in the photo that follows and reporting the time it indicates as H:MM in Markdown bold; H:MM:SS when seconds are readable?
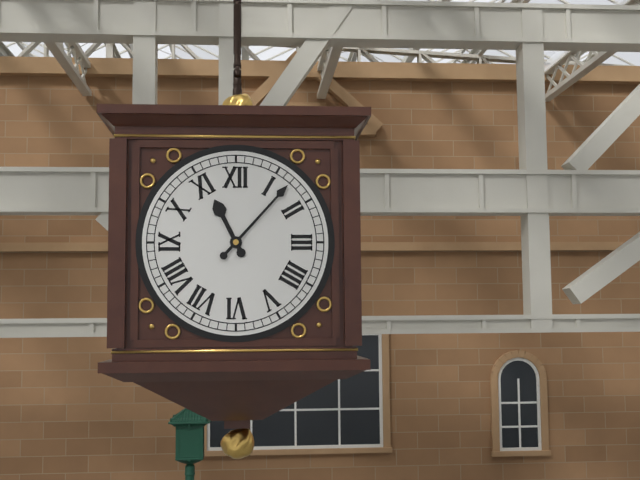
**11:07**
